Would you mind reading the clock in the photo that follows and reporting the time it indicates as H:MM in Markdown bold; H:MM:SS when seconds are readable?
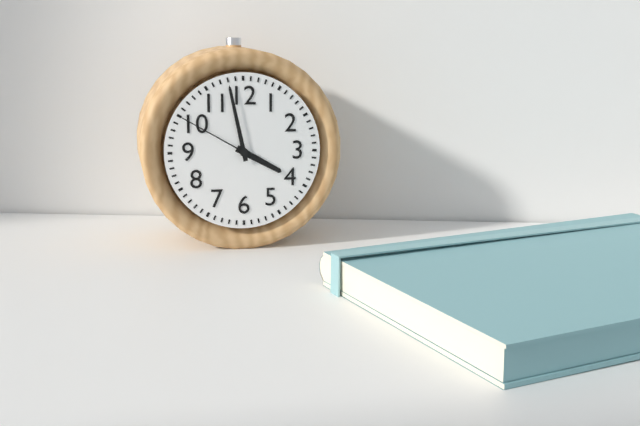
**3:58:50**
